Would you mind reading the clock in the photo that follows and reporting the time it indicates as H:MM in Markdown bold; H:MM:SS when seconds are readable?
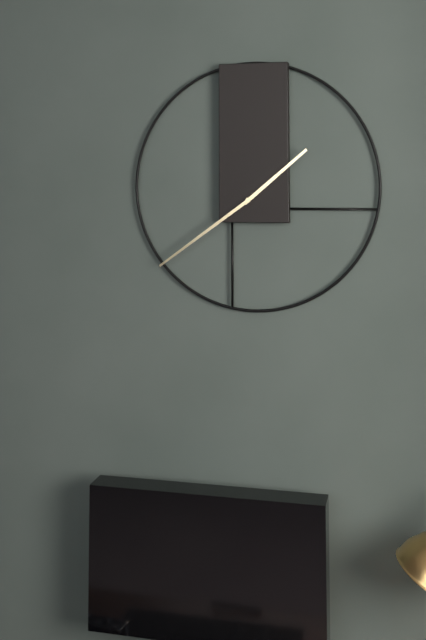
**1:39**
